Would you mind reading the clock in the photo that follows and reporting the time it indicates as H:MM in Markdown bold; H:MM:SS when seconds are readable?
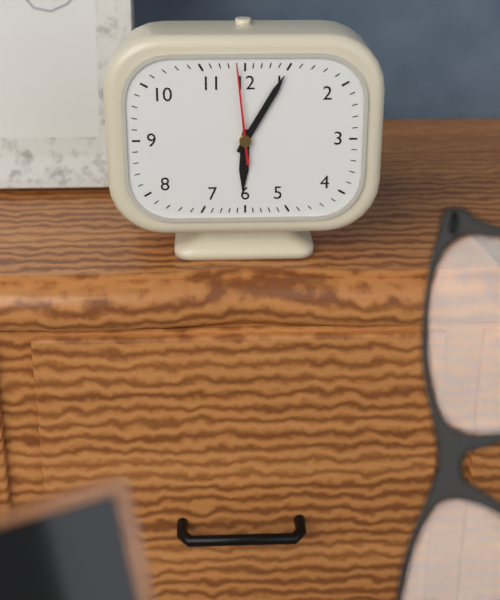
**6:05:59**
